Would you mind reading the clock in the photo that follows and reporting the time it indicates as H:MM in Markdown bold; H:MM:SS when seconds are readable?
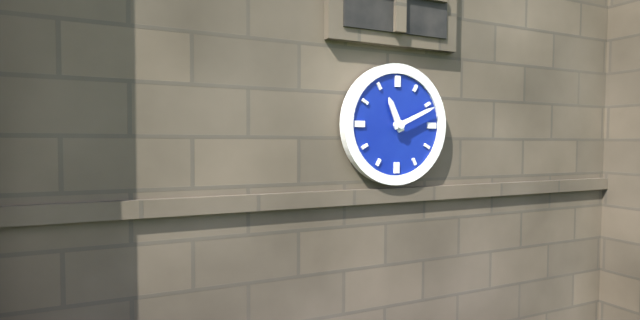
**11:11**
